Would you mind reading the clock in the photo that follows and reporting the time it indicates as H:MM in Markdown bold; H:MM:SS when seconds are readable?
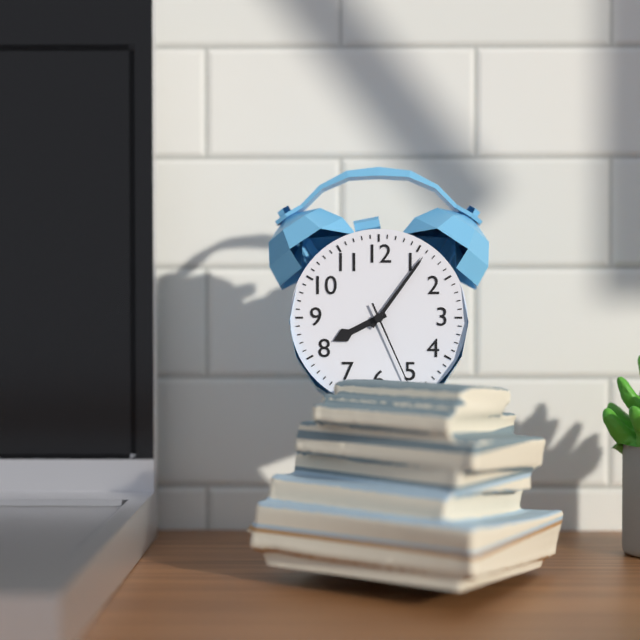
**8:06:26**
